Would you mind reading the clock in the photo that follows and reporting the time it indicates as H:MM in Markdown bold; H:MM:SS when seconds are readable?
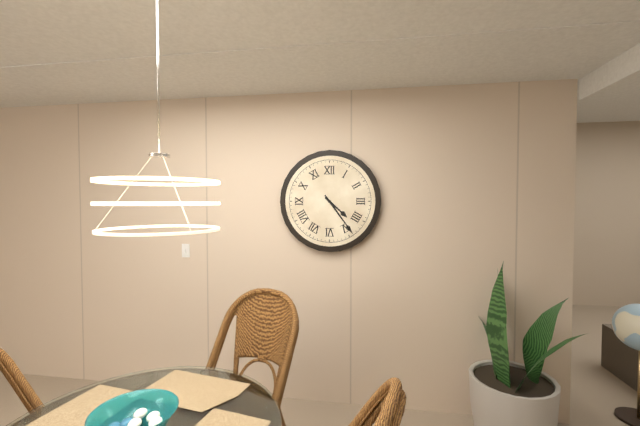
**4:24**
